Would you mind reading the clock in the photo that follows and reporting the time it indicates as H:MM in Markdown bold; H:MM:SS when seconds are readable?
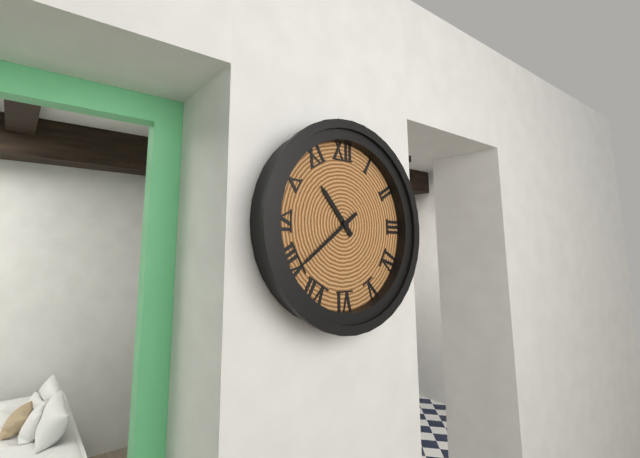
**10:39**
